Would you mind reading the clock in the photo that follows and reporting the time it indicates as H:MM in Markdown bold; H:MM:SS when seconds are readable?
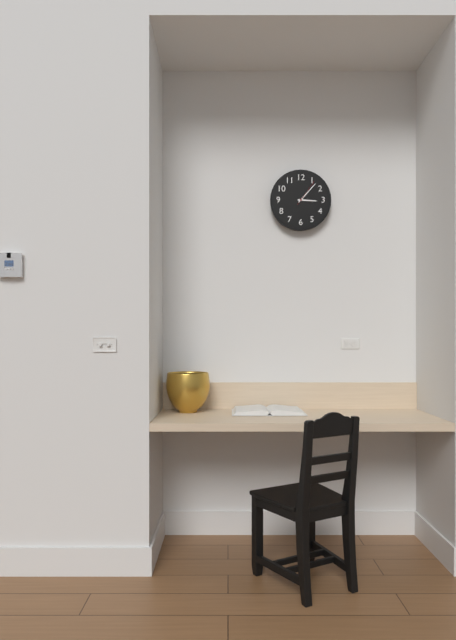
**3:07**
